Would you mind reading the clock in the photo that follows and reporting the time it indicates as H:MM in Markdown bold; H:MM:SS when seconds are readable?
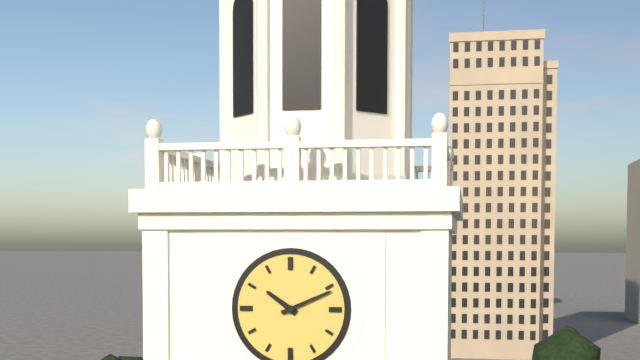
**10:11**
